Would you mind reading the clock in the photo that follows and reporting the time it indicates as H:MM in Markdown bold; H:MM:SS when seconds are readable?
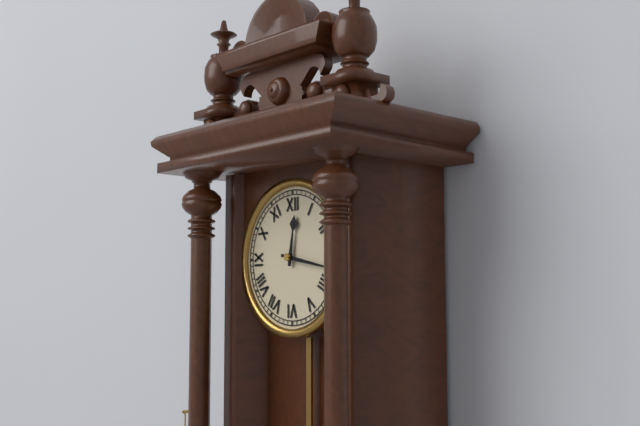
**12:17**
